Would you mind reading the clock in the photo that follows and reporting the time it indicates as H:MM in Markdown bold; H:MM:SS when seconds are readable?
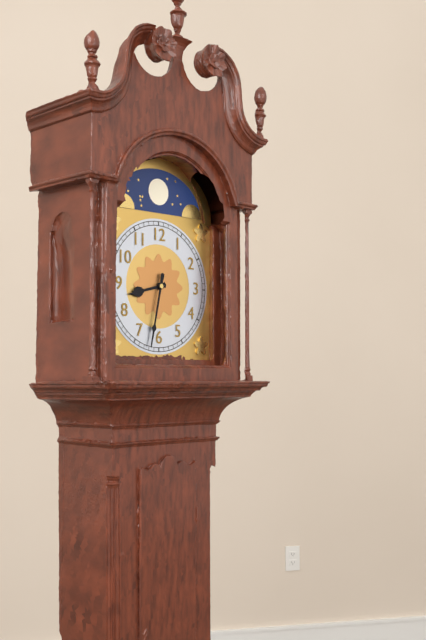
**8:32**
